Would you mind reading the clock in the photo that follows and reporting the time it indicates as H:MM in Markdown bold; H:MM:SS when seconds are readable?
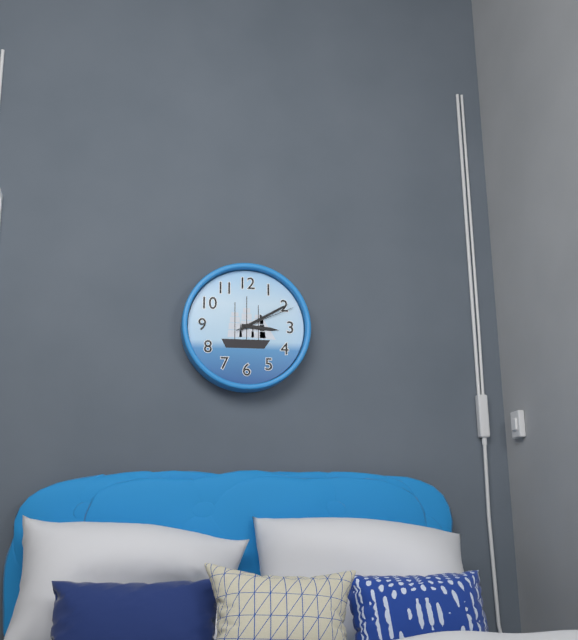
**3:10:11**
